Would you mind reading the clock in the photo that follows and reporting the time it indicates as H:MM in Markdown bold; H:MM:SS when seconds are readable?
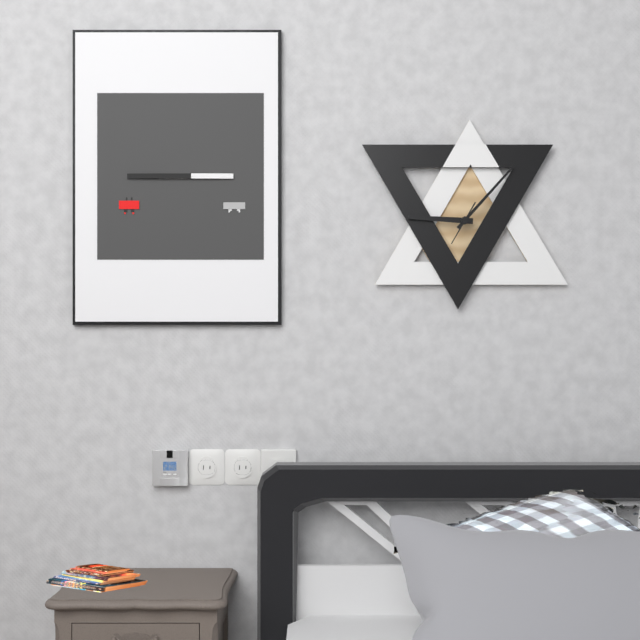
**9:07**
